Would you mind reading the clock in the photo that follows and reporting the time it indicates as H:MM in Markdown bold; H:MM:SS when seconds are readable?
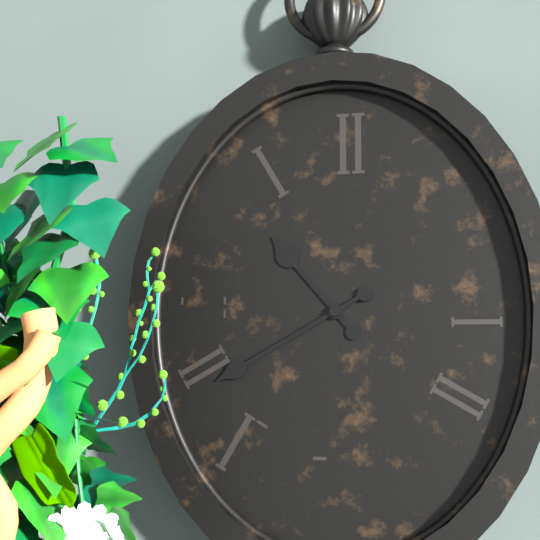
**10:40**
